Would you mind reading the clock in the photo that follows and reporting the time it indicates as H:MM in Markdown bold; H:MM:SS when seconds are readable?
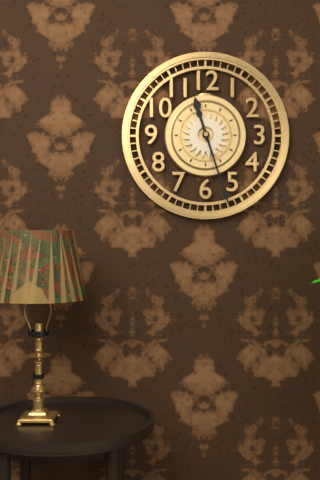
**11:27**
